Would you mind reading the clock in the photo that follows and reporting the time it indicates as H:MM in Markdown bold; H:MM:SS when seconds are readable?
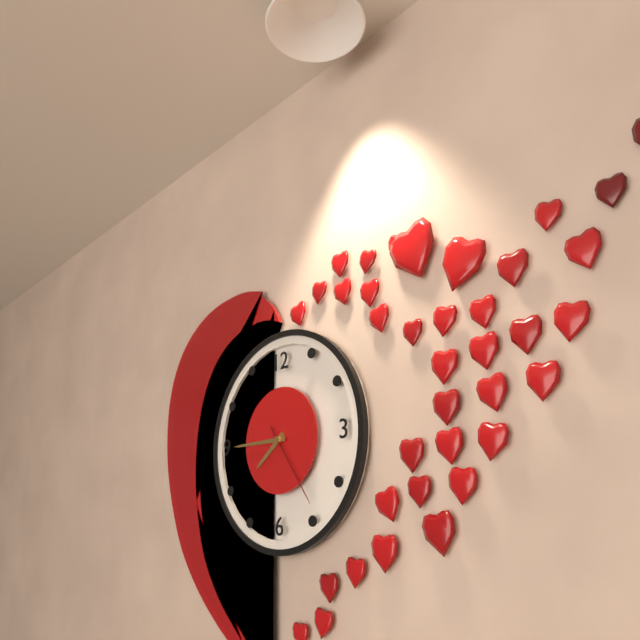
**7:45:24**
